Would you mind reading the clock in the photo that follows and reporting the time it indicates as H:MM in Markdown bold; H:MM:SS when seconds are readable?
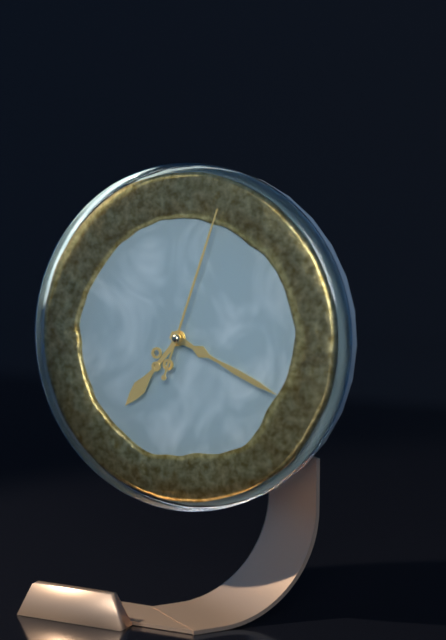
**7:19:03**
